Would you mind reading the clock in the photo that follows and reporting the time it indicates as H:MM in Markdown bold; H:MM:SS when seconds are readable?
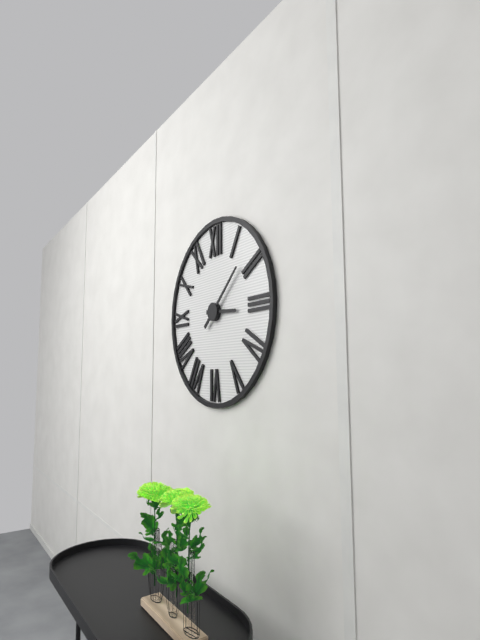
**3:08**
